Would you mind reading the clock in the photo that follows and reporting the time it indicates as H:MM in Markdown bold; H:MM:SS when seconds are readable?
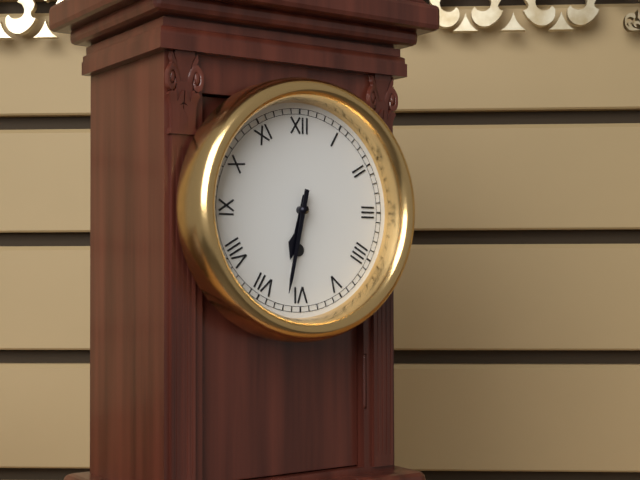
**6:32**
